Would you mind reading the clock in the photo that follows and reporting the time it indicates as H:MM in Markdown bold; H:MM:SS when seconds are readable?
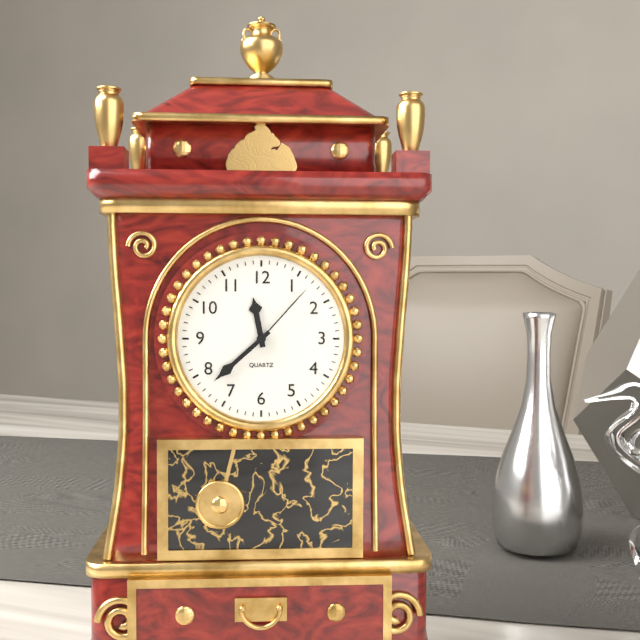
**11:38:07**
